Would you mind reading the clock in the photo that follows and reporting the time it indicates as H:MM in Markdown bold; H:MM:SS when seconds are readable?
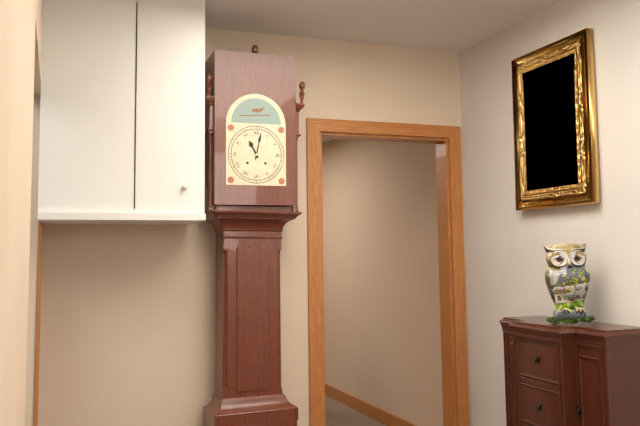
**11:02**
